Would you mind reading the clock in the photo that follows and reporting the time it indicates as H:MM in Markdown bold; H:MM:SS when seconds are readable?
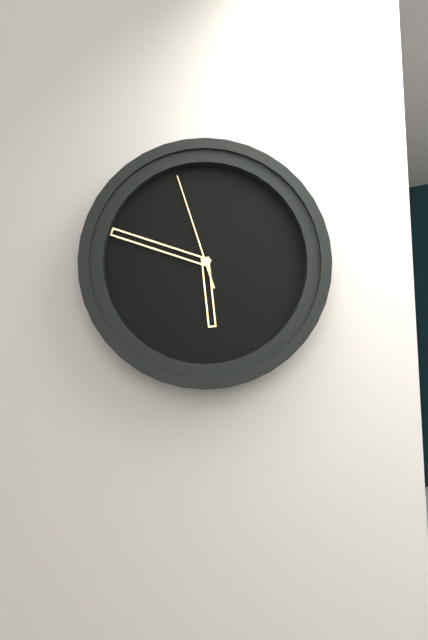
**5:48:57**
